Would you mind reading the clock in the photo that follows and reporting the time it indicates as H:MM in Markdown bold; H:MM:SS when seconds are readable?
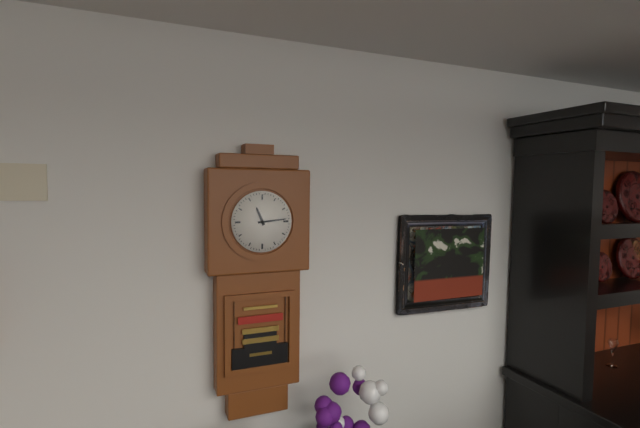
**11:14**
